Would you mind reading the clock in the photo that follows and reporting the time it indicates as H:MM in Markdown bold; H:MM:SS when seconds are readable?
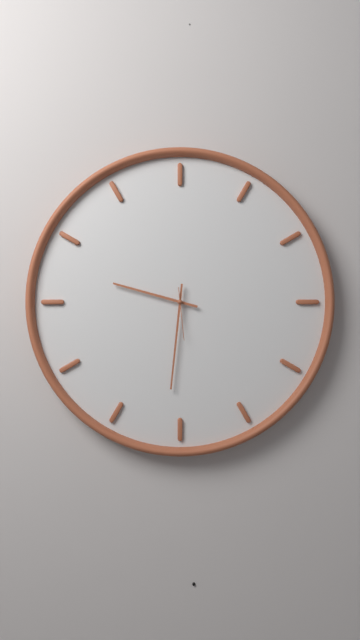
**9:31**
